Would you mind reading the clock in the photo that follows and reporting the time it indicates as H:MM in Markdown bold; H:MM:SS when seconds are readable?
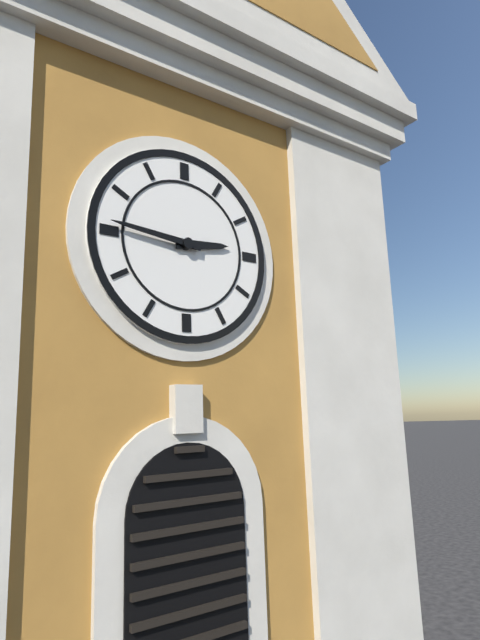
**2:46**
